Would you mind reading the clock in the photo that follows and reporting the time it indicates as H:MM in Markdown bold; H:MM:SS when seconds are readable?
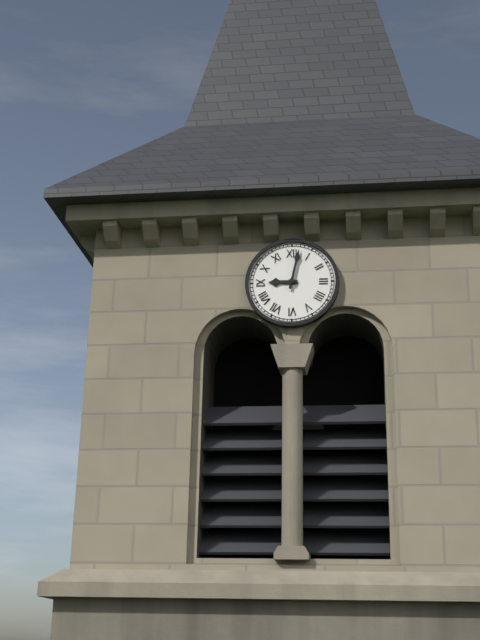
**9:02**
